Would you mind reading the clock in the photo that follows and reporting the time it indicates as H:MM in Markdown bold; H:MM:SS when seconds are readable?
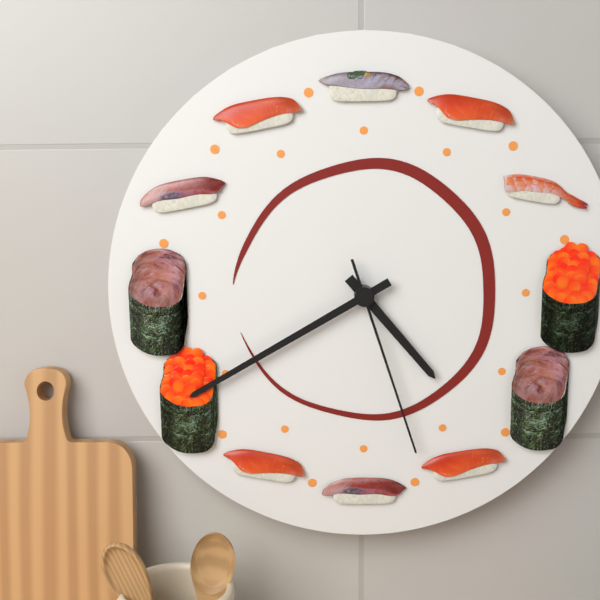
**4:40:27**
